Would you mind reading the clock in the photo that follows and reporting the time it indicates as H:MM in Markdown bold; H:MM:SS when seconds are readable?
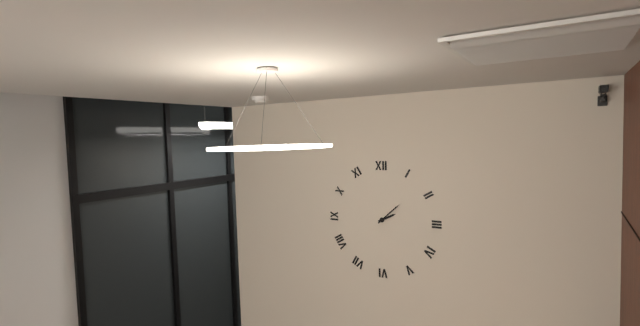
**2:08**
